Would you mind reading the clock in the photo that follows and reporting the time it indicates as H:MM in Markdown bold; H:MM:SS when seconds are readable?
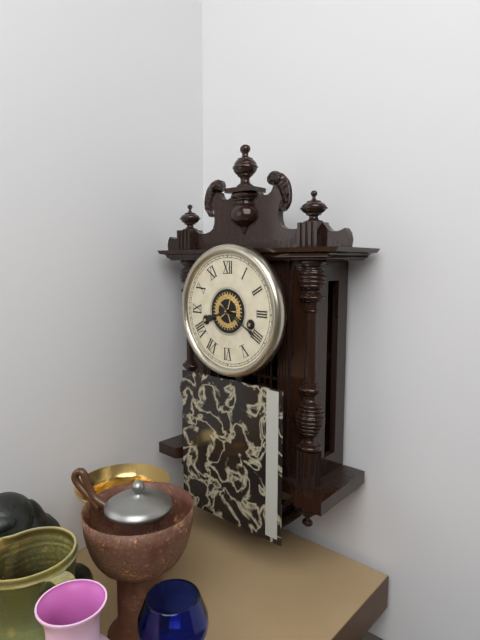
**8:20**
